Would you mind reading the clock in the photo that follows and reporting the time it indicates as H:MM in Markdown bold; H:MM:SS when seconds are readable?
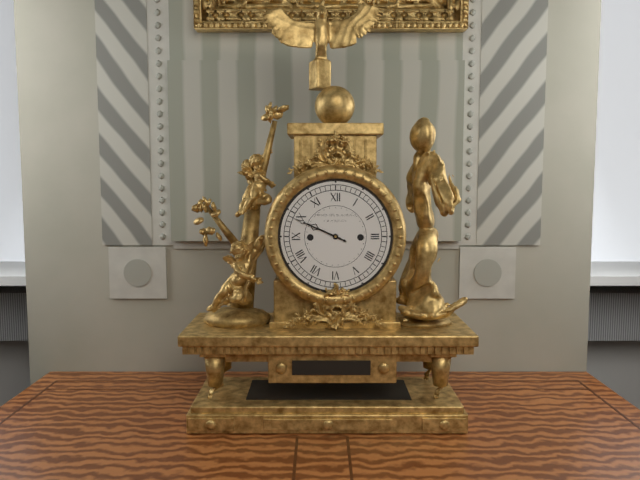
**9:49**
